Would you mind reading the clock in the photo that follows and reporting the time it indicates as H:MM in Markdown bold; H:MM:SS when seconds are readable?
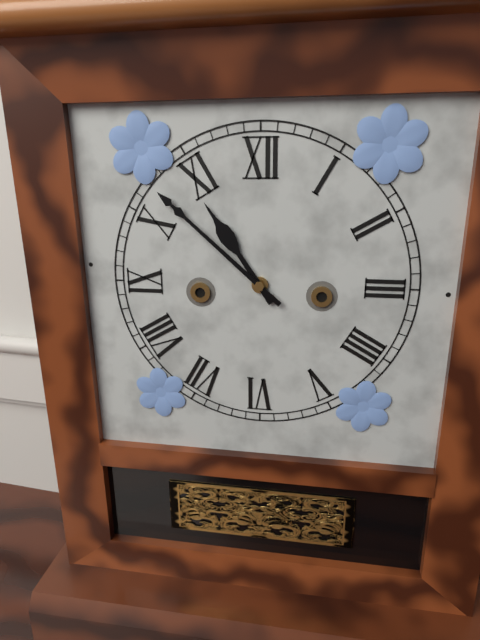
**10:52**
